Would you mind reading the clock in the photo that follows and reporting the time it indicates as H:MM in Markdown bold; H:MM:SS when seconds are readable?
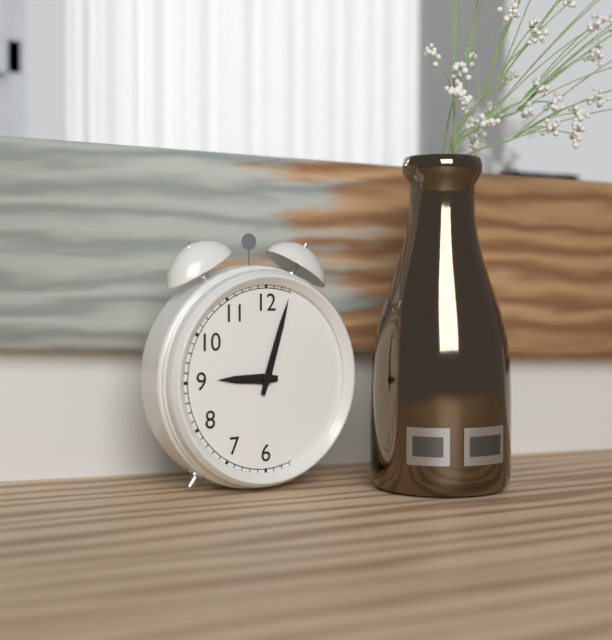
**9:03**
